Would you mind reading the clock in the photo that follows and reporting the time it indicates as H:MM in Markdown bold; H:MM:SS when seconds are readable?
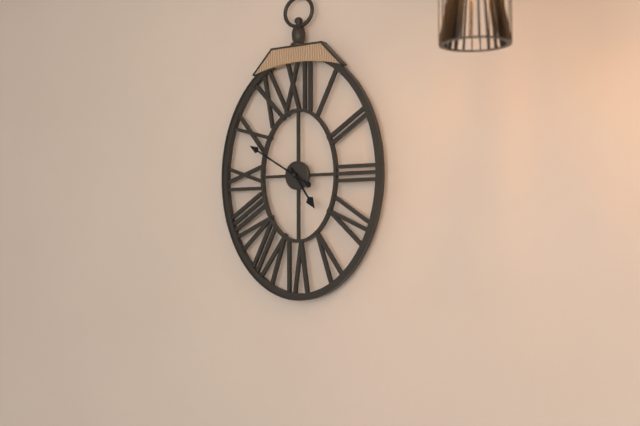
**4:50**
